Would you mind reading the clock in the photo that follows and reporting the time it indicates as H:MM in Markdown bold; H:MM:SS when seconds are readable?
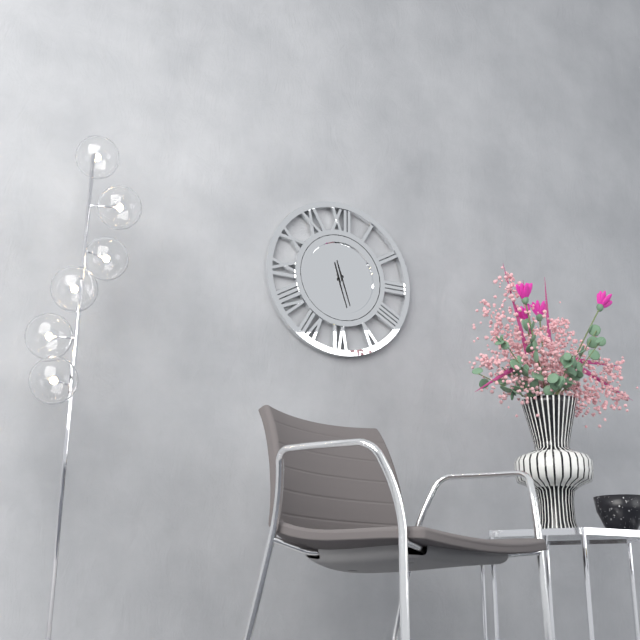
**11:27**
